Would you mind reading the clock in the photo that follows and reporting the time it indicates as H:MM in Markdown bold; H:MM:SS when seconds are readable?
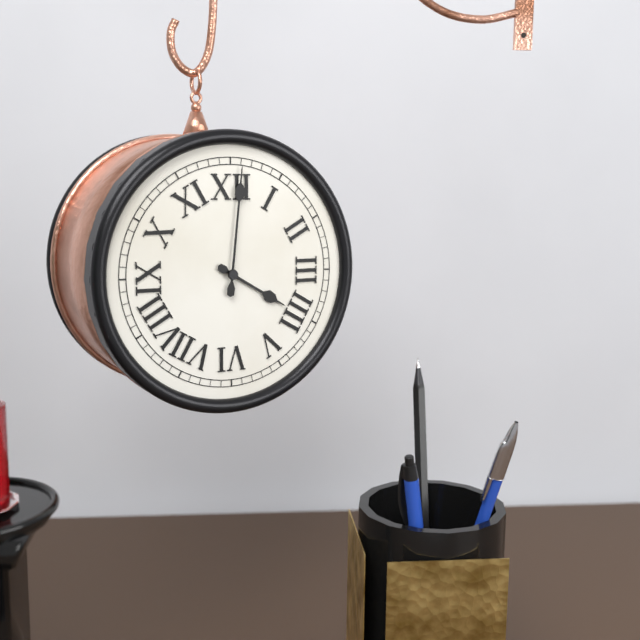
**4:01**
